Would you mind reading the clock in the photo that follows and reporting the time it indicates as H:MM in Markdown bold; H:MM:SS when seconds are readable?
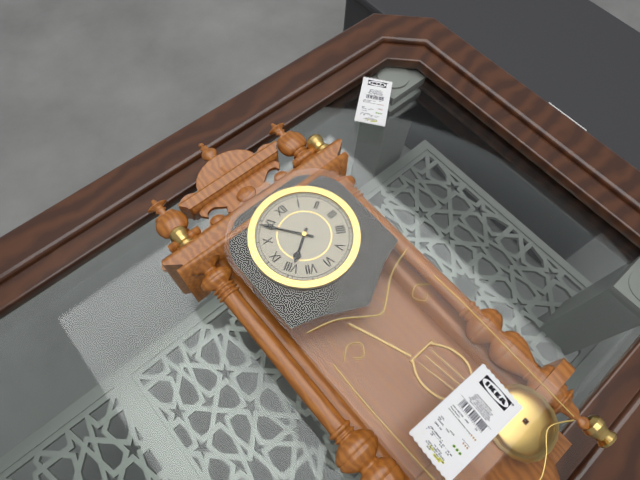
**7:54**
